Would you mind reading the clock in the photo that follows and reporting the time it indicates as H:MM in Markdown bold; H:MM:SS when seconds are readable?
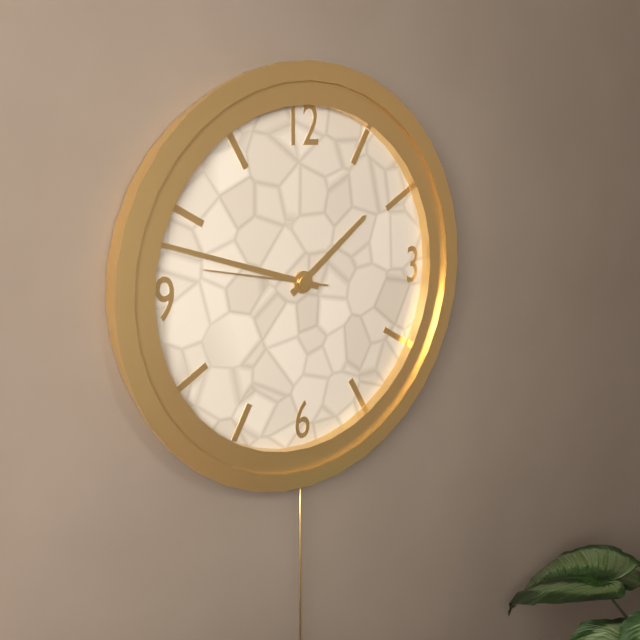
**1:48:47**
